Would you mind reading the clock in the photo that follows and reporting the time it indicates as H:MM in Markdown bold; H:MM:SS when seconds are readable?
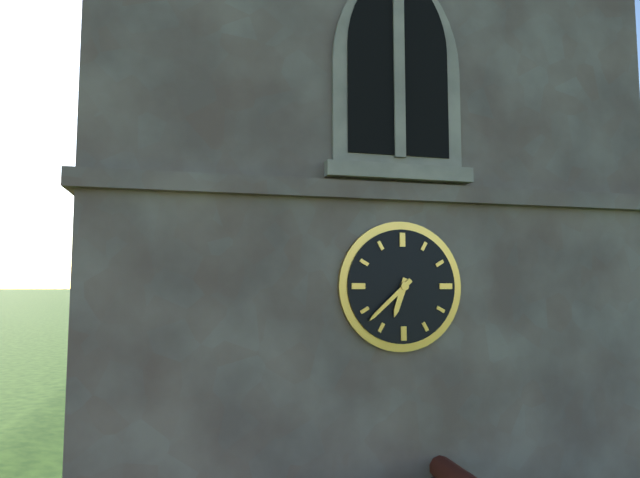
**6:38**
